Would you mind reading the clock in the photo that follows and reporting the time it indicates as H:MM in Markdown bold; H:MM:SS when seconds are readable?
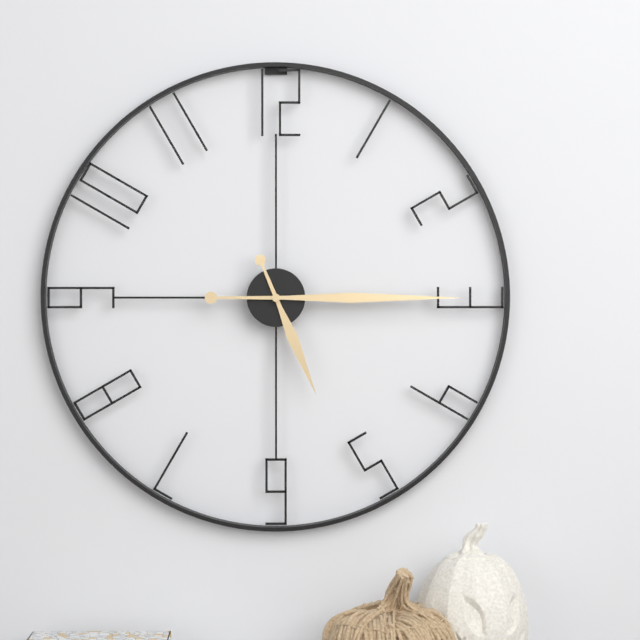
**5:15**
